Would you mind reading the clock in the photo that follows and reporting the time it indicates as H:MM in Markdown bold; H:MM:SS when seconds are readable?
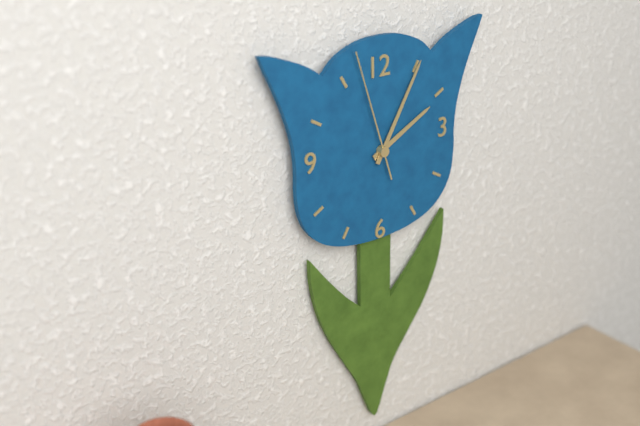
**2:05:57**
